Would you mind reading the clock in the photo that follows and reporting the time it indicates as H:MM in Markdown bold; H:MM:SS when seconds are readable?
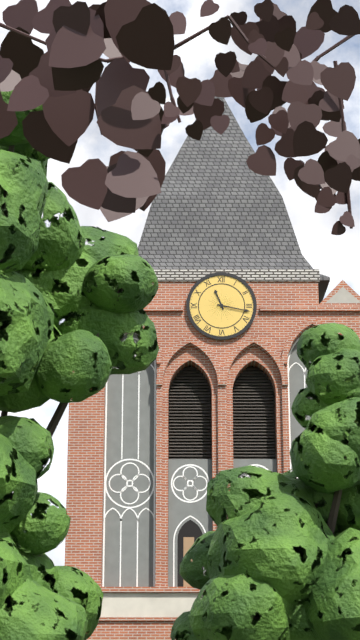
**11:17**
